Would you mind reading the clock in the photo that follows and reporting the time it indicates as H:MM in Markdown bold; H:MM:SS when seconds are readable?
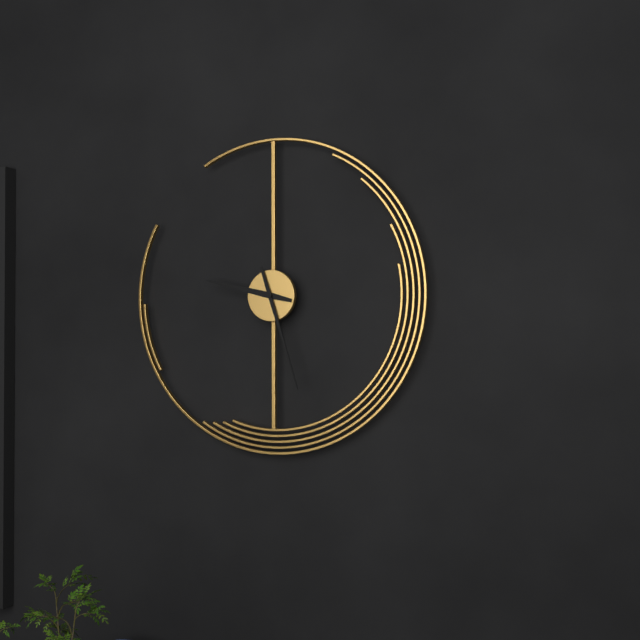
**9:27**
